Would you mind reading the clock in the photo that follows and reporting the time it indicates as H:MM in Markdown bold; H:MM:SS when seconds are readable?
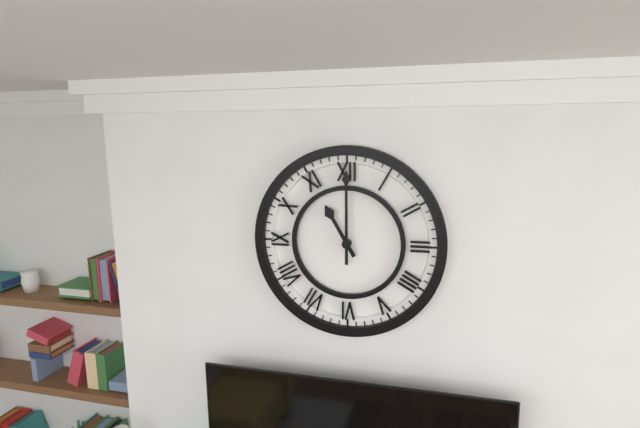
**11:00**
